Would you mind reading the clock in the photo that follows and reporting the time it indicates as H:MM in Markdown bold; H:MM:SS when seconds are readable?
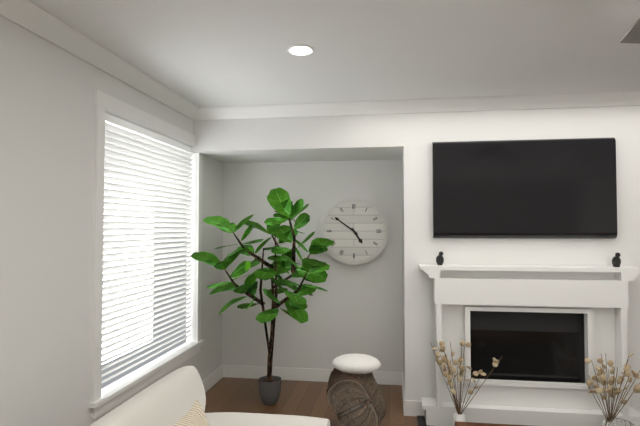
**4:51**
